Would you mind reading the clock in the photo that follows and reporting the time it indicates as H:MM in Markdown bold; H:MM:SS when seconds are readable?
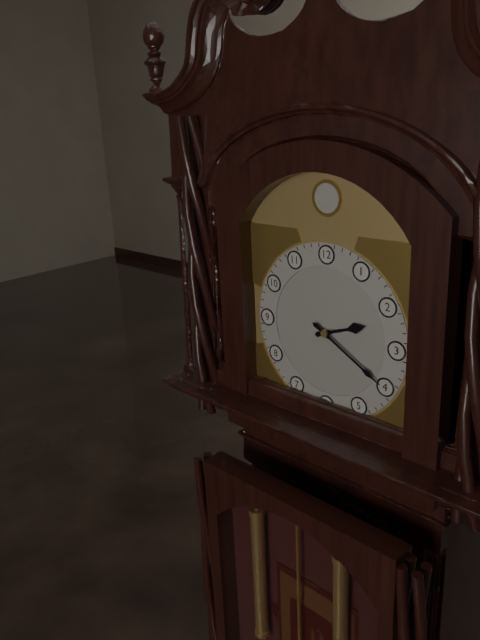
**2:20**
